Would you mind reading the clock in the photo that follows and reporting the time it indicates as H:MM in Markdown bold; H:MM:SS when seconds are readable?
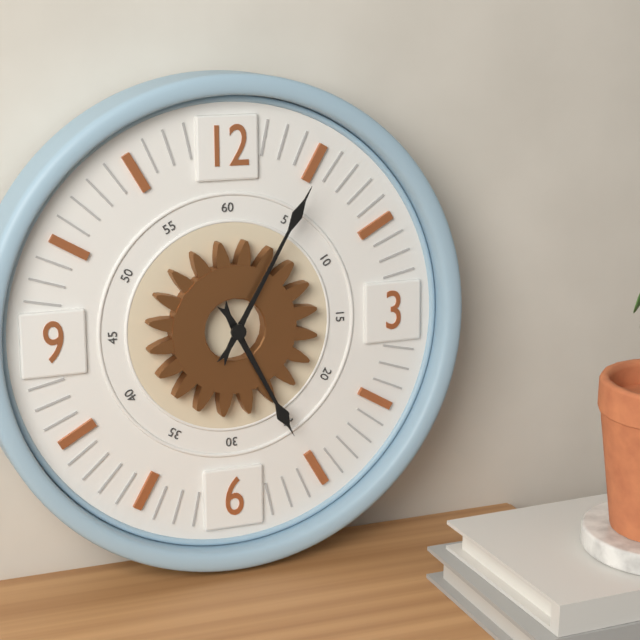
**5:05**
